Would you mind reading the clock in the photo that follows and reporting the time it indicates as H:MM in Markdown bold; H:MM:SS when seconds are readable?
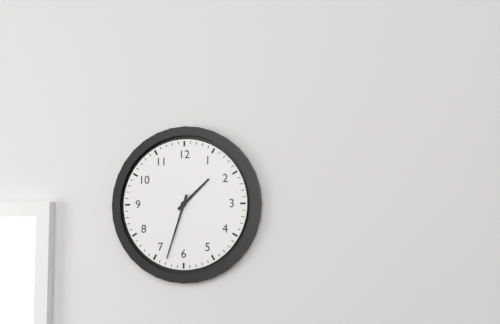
**1:33**
